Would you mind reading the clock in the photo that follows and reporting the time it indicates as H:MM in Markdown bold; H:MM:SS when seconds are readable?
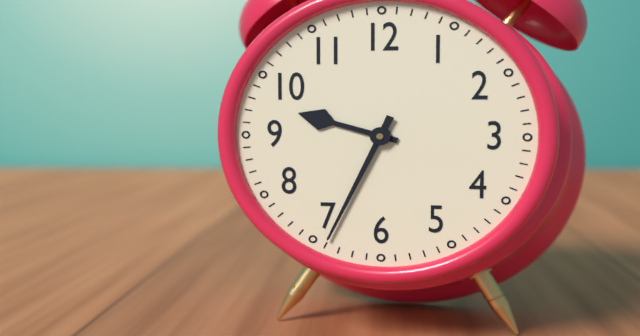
**9:34**
